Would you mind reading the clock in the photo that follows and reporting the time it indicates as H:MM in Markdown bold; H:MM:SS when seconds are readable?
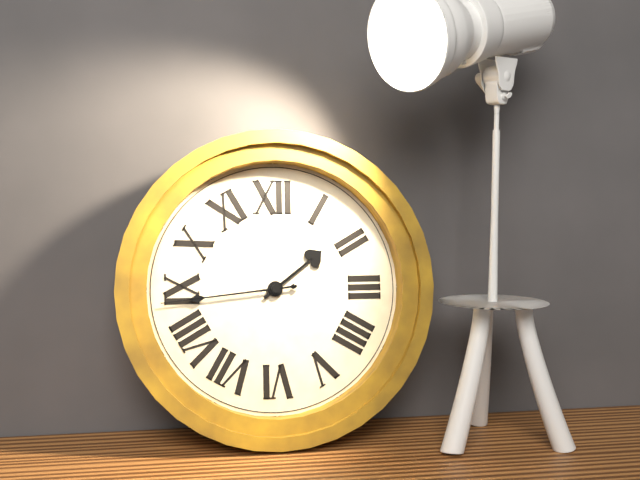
**1:44**
